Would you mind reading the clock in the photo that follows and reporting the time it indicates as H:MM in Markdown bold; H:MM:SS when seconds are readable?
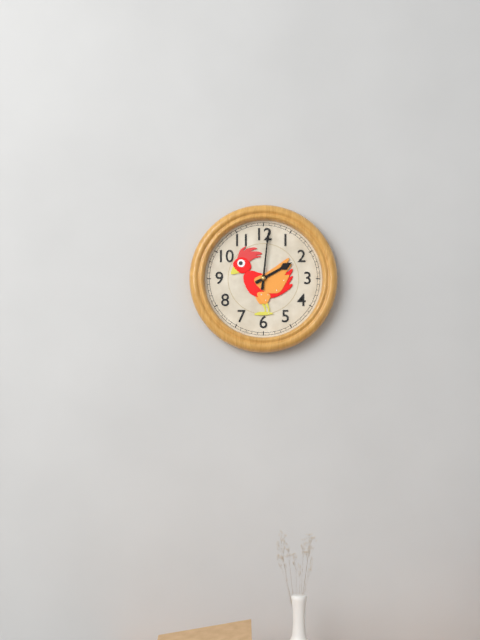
**2:01**
